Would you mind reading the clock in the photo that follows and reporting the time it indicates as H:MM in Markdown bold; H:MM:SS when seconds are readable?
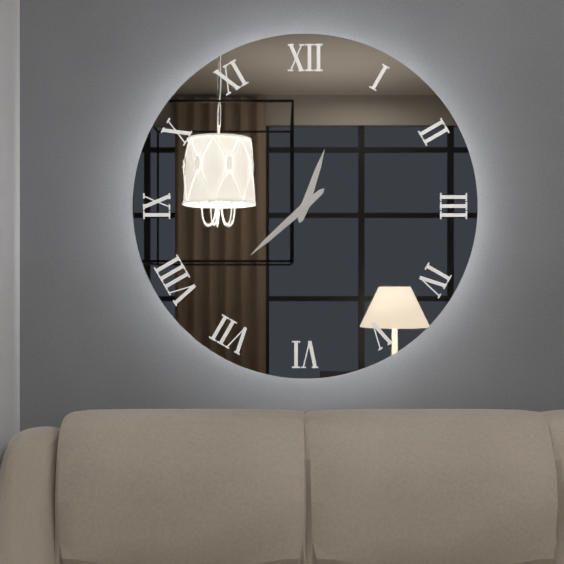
**12:38**
